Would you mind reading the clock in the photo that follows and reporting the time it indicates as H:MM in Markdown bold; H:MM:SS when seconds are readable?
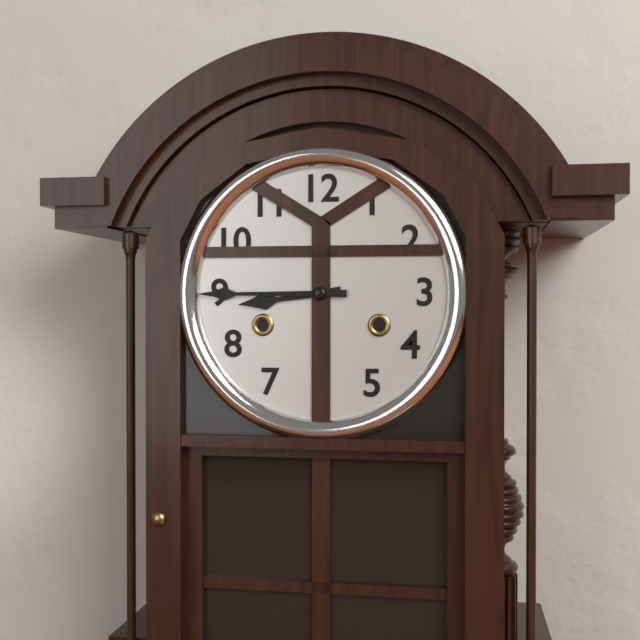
**8:45**
